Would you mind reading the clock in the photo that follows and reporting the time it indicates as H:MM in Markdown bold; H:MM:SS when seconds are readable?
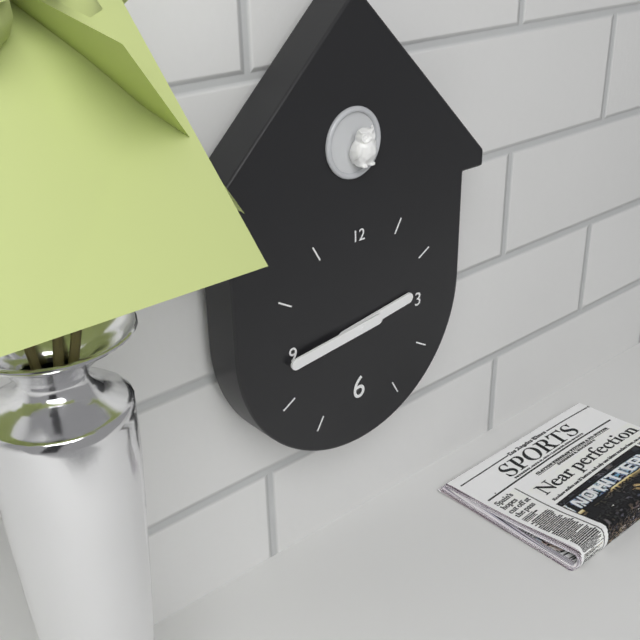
**2:44**
